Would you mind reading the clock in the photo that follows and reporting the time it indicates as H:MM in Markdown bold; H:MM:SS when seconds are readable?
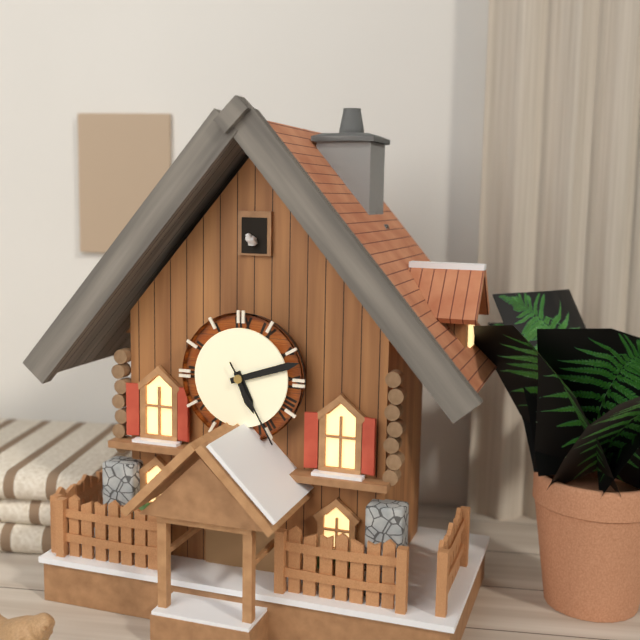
**5:12:25**
